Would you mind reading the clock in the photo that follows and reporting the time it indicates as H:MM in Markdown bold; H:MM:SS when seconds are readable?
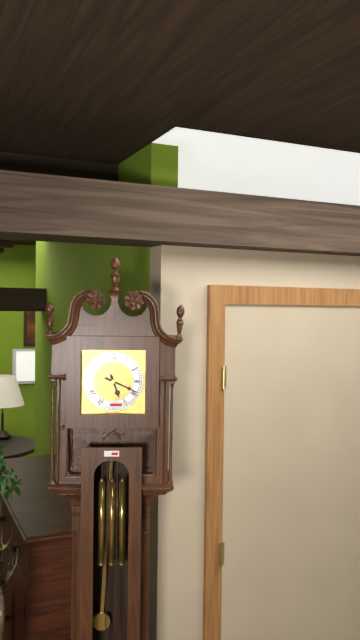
**5:19**
